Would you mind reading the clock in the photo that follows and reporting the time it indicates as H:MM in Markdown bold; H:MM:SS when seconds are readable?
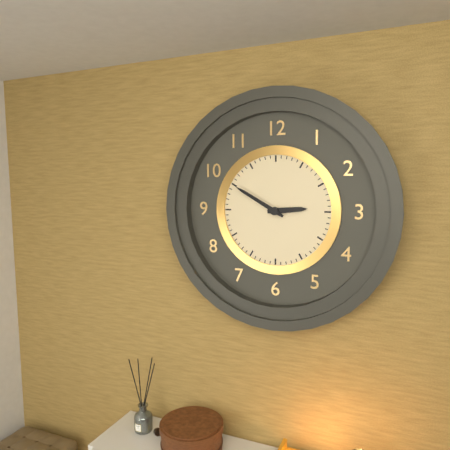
**2:50**
